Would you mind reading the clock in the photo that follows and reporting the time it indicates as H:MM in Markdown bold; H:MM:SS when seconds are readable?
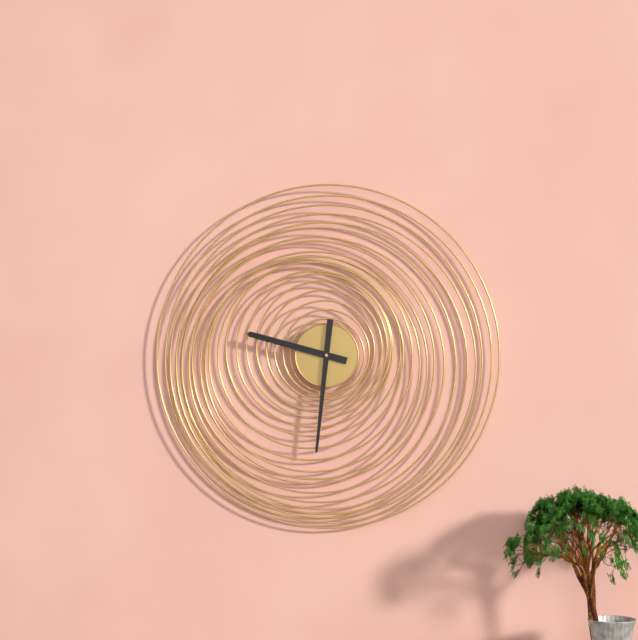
**9:31**
